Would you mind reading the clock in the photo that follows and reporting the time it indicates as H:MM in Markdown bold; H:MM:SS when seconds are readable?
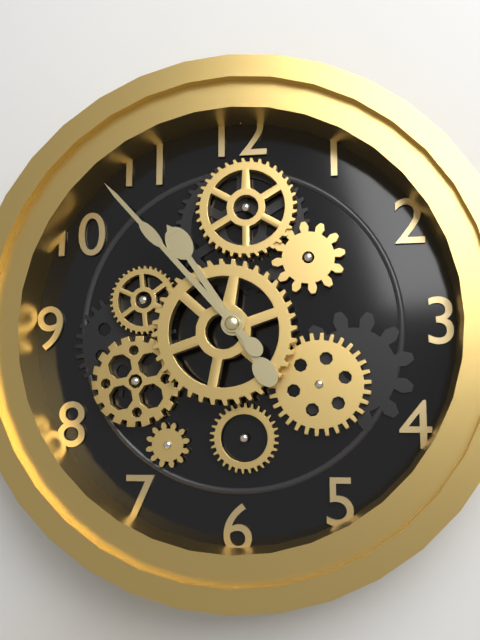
**10:53**
